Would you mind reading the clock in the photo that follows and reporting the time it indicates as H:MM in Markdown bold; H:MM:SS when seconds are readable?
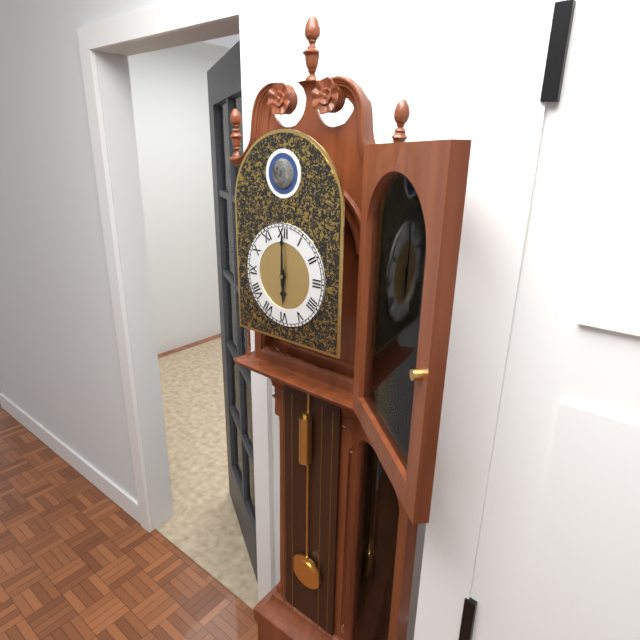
**6:00**
